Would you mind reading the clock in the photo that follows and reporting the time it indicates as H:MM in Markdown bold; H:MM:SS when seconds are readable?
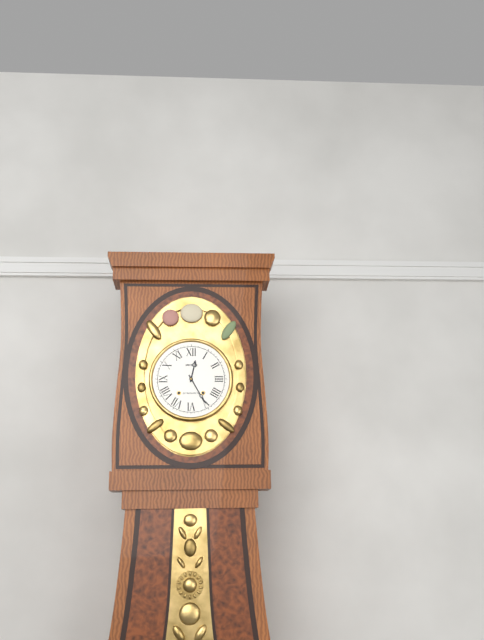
**12:25**
